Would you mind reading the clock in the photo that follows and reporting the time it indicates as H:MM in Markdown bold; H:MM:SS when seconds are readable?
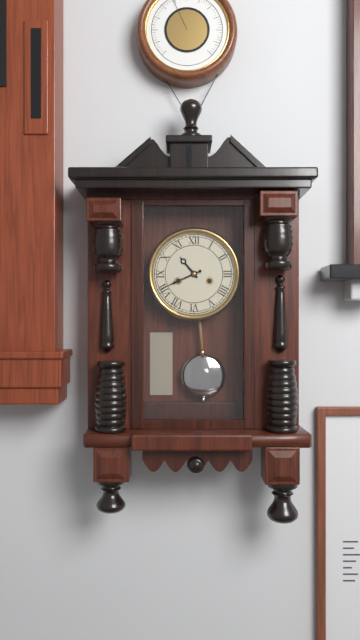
**10:41**
